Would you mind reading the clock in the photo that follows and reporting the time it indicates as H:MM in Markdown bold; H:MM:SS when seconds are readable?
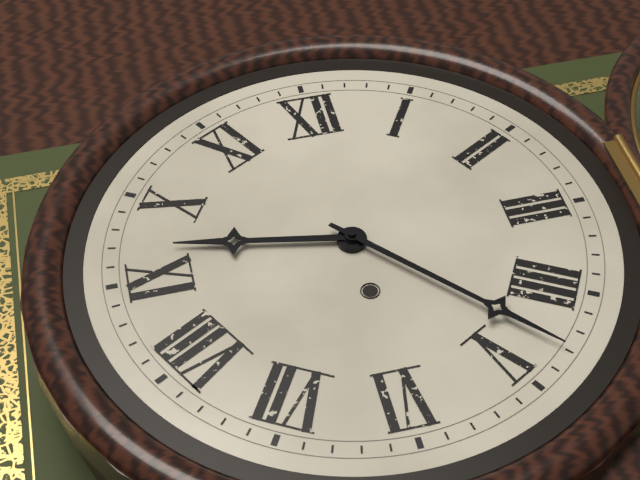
**9:23**
